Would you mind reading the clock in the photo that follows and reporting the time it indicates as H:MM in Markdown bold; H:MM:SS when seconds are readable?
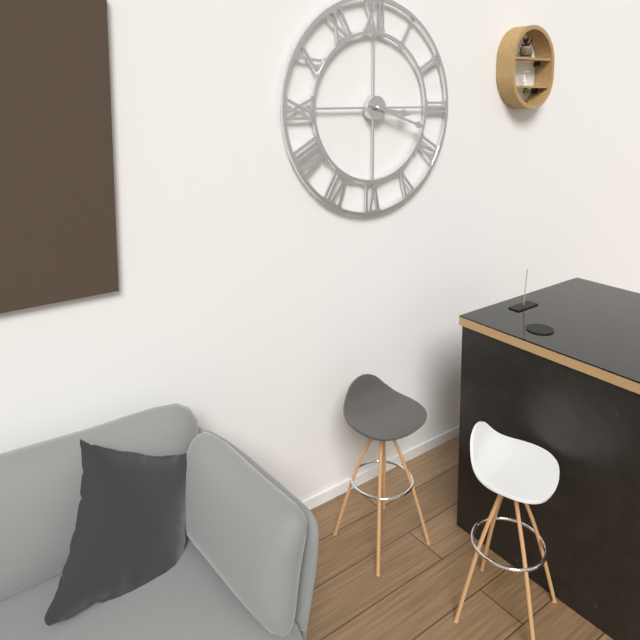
**3:18**
